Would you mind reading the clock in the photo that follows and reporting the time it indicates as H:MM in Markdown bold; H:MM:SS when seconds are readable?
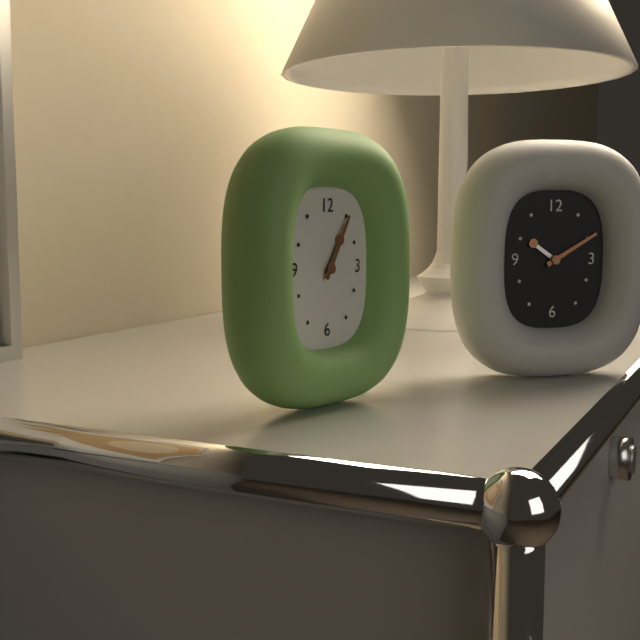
**1:05**
